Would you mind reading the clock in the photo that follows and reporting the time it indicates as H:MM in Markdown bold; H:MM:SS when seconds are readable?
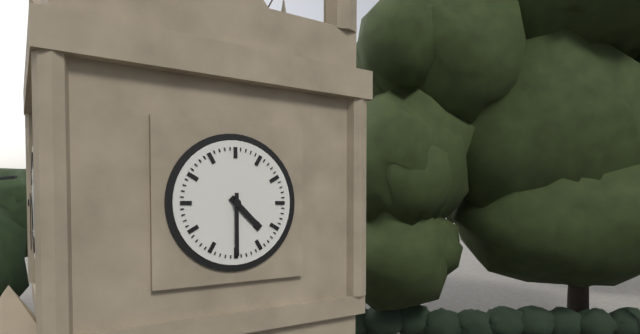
**4:30**
